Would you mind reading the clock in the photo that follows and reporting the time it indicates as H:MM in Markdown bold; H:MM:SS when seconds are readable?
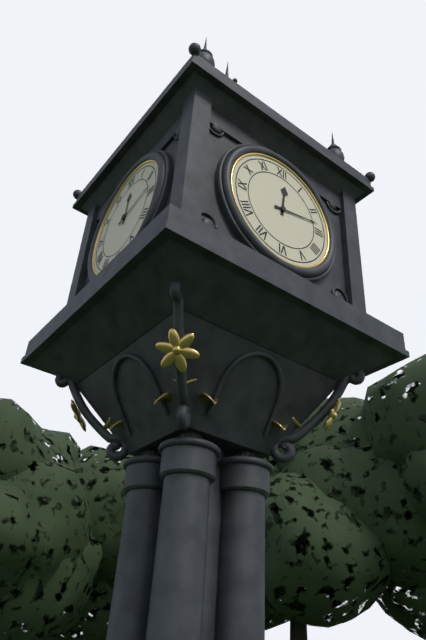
**12:13**
